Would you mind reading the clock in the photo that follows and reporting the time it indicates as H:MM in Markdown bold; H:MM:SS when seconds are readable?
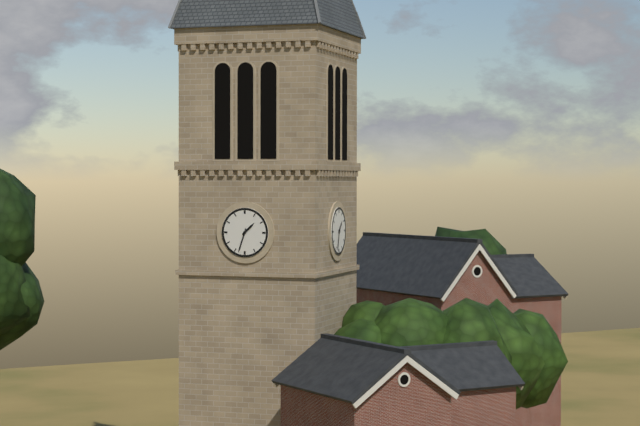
**1:33**
